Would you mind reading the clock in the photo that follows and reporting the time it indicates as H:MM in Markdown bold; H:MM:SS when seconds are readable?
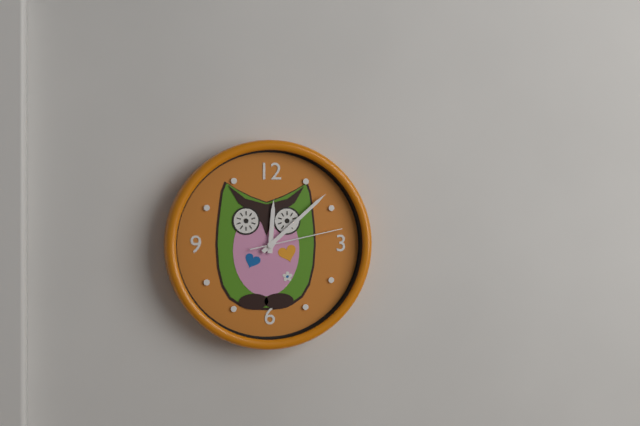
**12:08:13**
